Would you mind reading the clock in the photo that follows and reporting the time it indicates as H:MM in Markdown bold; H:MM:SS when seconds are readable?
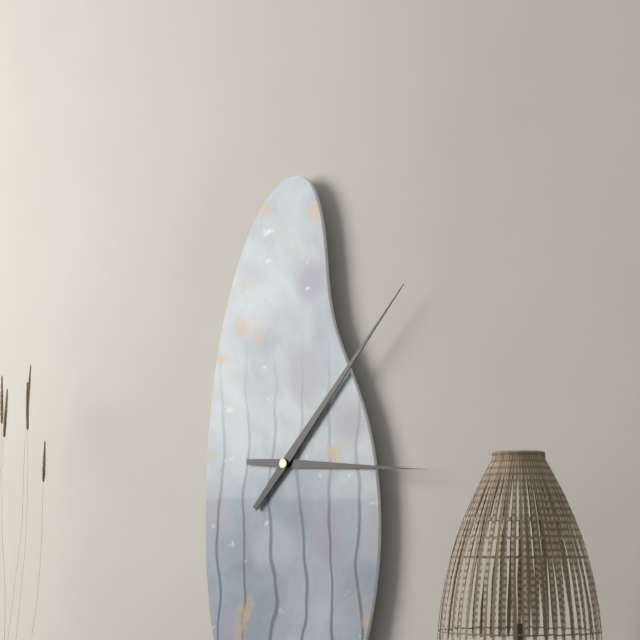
**3:07**
